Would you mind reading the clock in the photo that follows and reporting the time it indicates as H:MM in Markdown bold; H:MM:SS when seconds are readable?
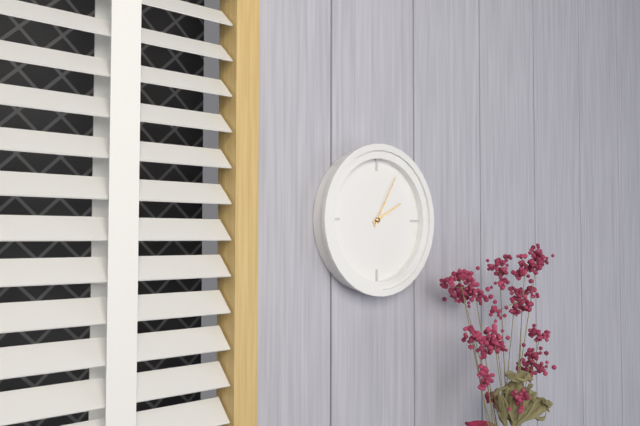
**2:05**
